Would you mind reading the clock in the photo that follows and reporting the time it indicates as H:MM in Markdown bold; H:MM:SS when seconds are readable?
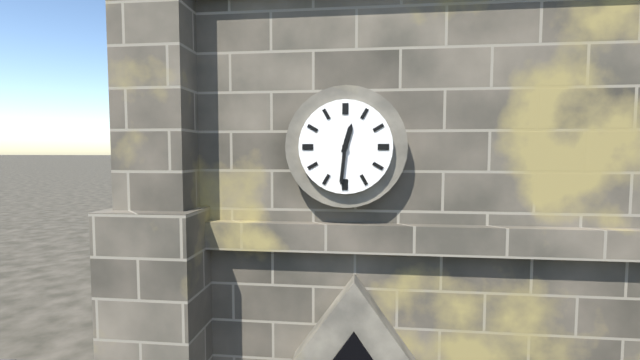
**12:31**
